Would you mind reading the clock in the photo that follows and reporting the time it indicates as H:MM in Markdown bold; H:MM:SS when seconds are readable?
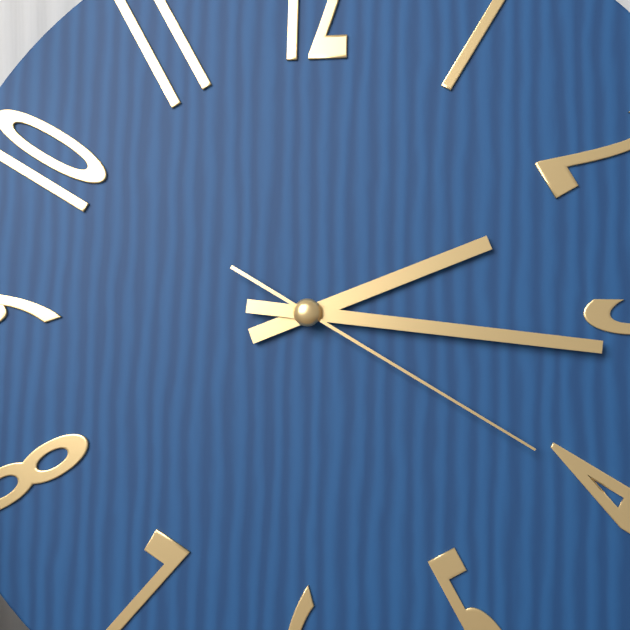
**2:16:20**
